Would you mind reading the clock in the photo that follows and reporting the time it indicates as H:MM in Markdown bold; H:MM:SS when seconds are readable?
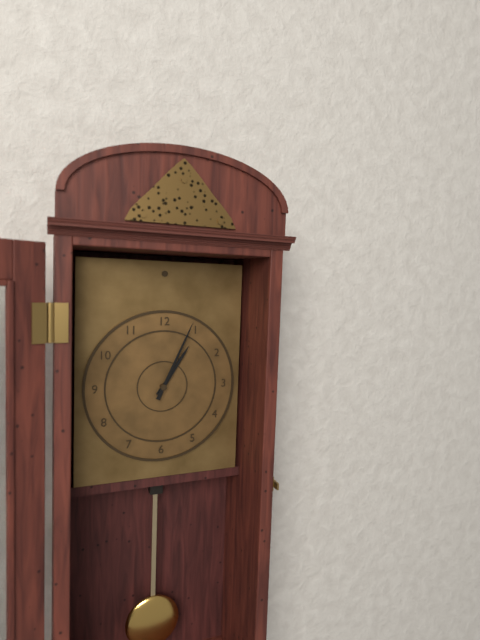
**1:04**
